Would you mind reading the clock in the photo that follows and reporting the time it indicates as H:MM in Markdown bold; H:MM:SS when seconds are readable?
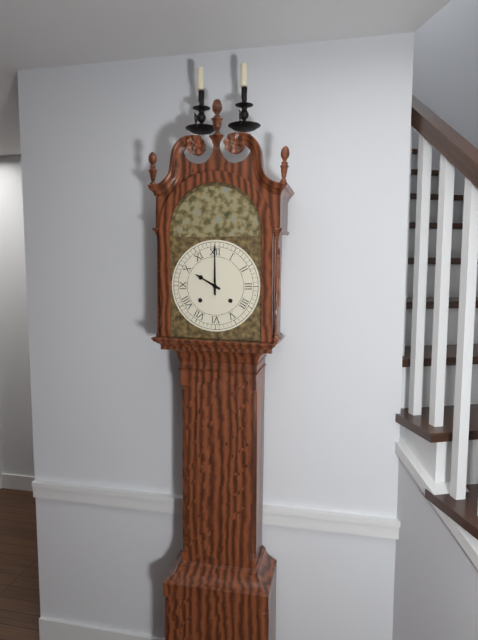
**10:00**
